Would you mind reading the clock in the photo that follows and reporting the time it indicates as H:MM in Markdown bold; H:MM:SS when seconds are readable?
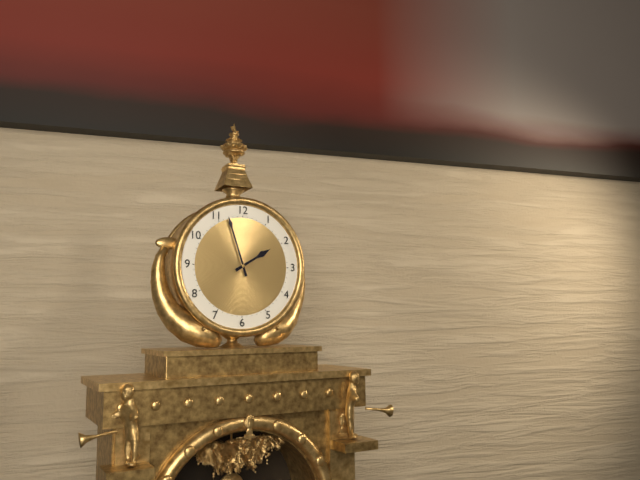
**1:57**
